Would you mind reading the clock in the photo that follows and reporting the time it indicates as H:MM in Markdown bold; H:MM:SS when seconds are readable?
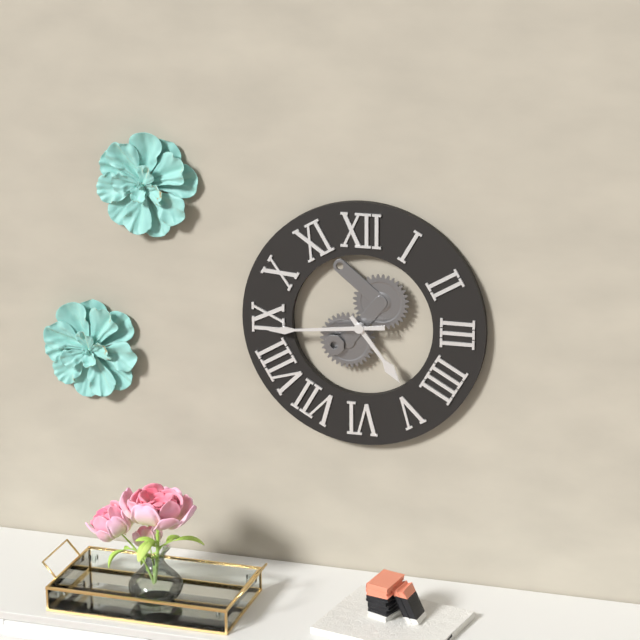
**4:44**
